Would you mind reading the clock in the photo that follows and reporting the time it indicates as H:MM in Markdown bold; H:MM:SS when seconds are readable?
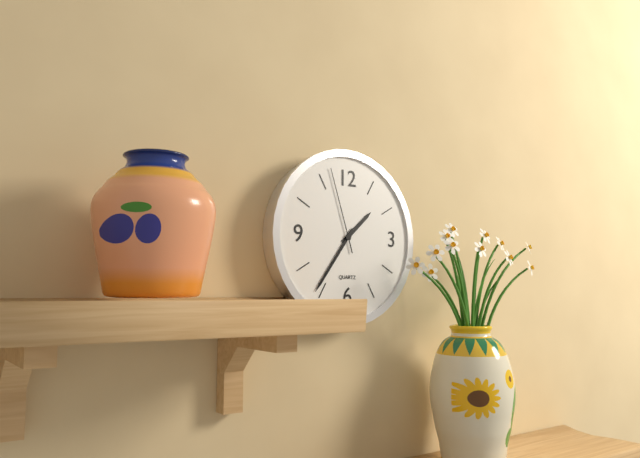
**1:36:57**
